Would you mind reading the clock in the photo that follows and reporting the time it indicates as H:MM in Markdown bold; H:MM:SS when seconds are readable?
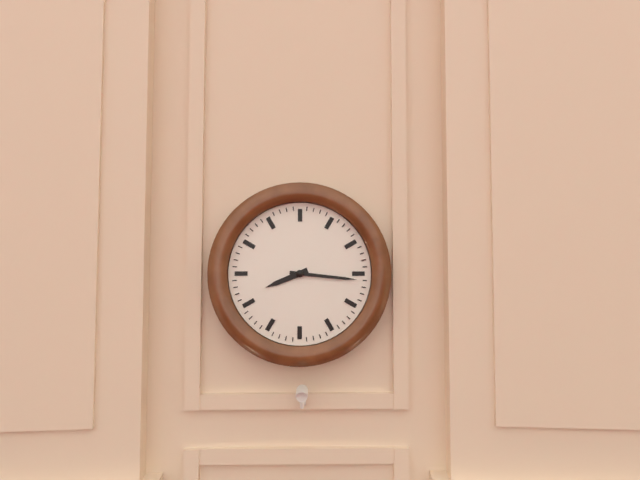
**8:16**
